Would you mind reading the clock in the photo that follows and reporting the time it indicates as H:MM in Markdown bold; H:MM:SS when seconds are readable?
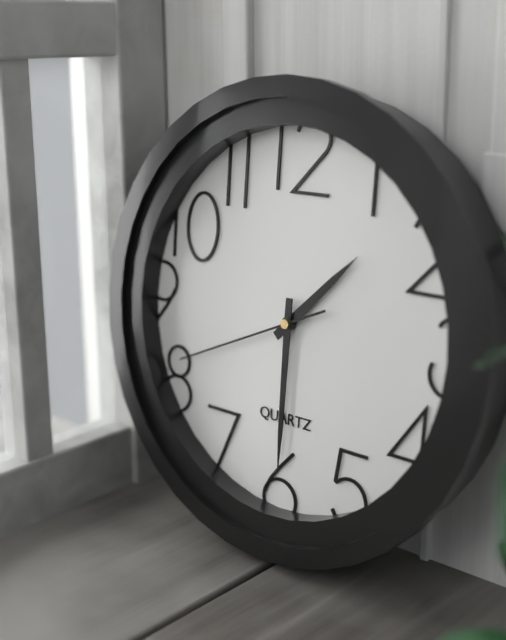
**1:30:41**
